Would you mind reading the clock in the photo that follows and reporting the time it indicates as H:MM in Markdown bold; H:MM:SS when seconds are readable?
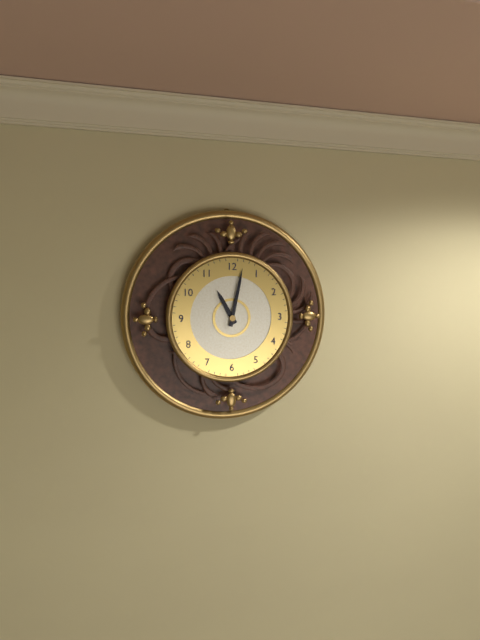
**11:02**
